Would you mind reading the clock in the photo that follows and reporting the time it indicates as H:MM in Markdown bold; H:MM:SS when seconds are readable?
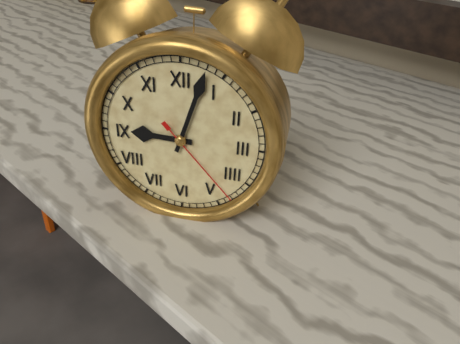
**9:03:23**
